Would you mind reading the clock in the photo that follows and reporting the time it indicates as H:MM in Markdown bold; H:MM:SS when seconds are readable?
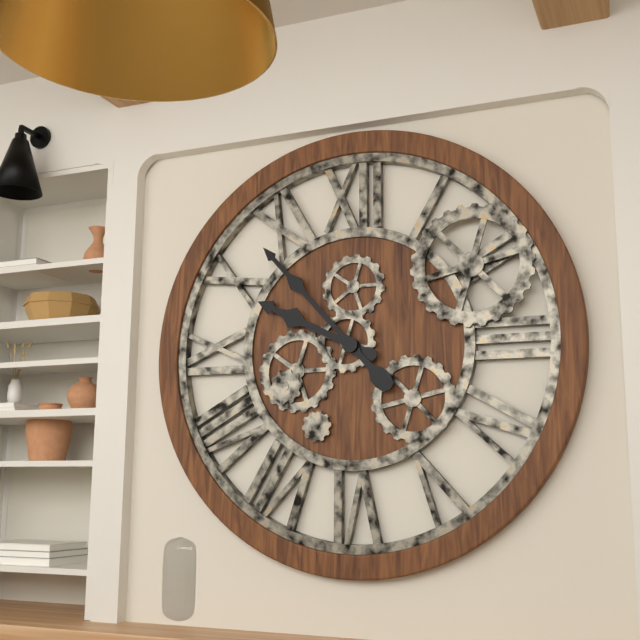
**9:53**
